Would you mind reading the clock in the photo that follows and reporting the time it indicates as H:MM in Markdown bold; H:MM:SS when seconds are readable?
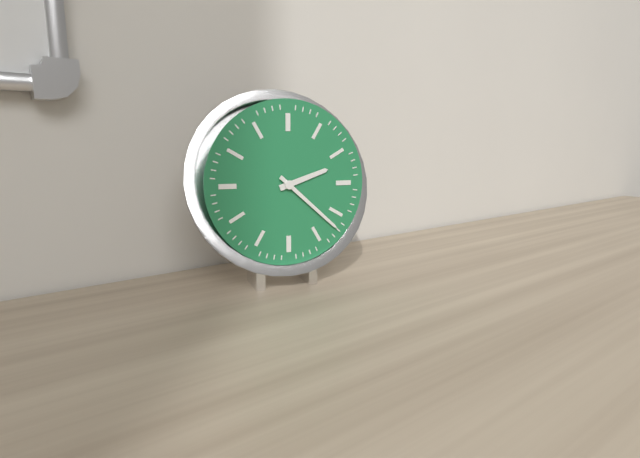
**2:22**
